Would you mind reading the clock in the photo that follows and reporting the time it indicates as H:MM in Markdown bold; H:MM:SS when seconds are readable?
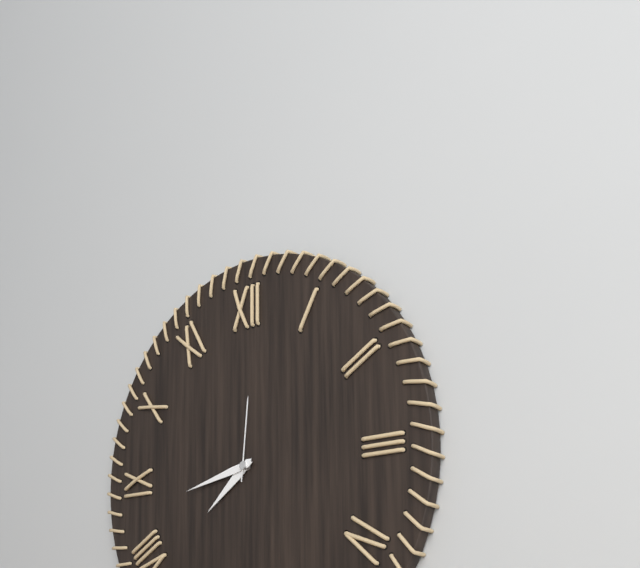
**7:43:01**
